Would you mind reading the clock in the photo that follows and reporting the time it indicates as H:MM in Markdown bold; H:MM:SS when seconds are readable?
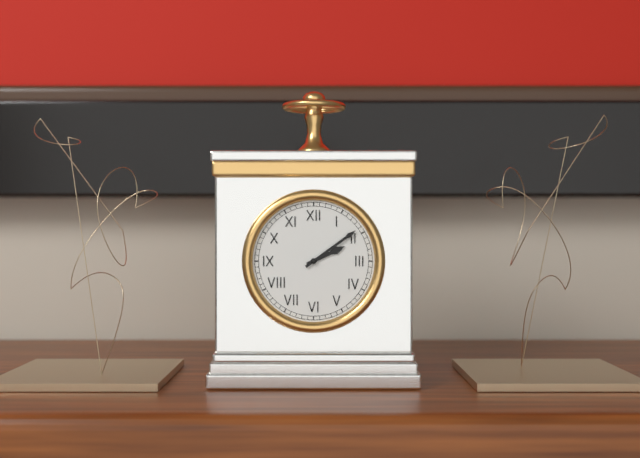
**2:09**
